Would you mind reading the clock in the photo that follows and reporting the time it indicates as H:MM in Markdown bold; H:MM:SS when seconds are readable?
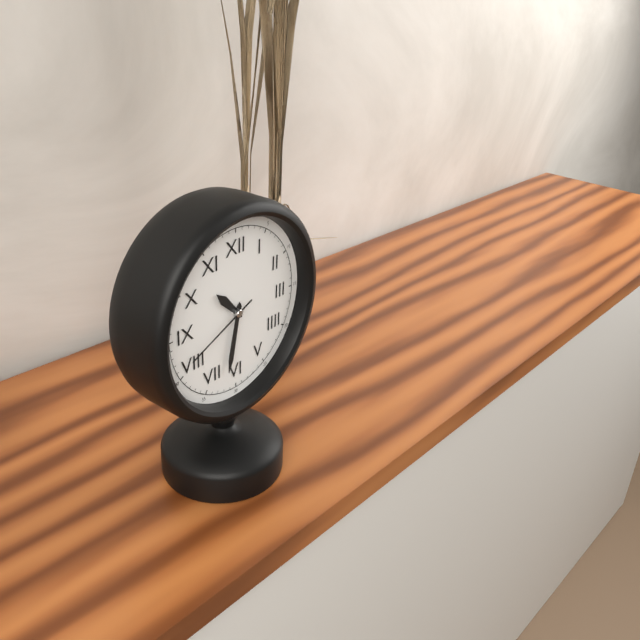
**10:32:41**
